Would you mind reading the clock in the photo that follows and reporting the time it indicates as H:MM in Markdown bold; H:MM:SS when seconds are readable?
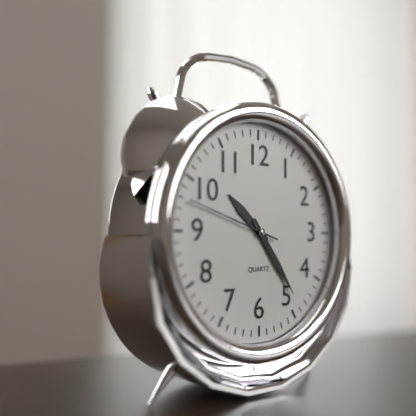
**10:24:48**
